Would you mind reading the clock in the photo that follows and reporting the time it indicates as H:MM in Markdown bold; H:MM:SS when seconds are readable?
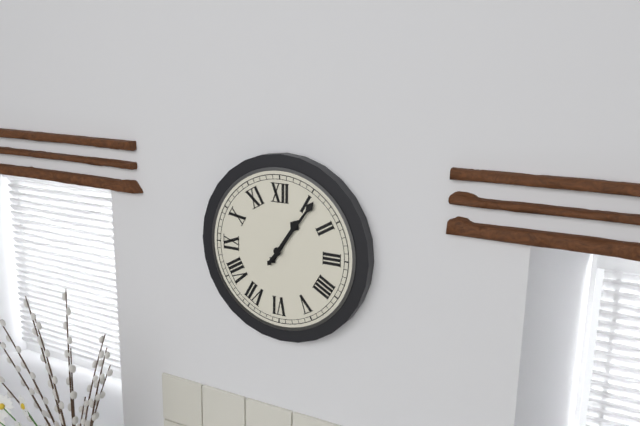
**1:06**
